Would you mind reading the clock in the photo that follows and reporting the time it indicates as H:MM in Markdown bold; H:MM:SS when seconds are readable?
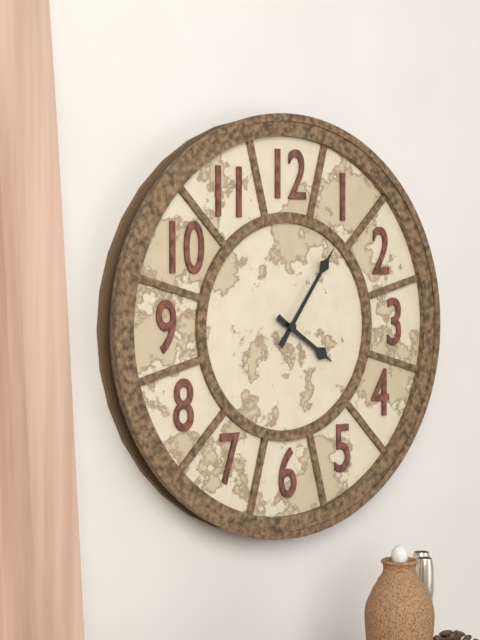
**4:06**
